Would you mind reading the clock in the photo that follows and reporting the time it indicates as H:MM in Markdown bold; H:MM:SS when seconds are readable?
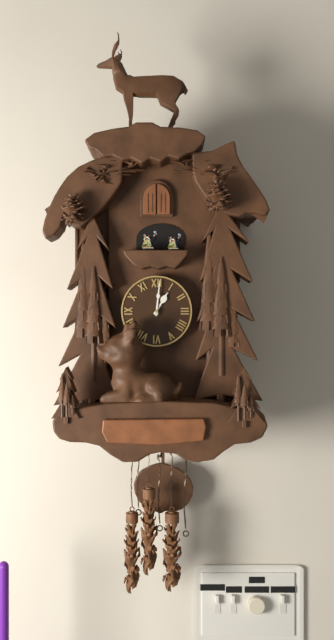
**1:01**
